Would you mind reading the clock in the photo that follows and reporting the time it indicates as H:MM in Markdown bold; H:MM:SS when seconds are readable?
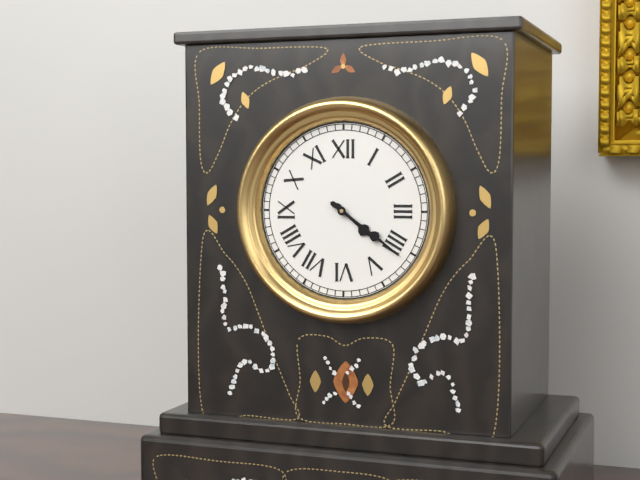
**4:21**
